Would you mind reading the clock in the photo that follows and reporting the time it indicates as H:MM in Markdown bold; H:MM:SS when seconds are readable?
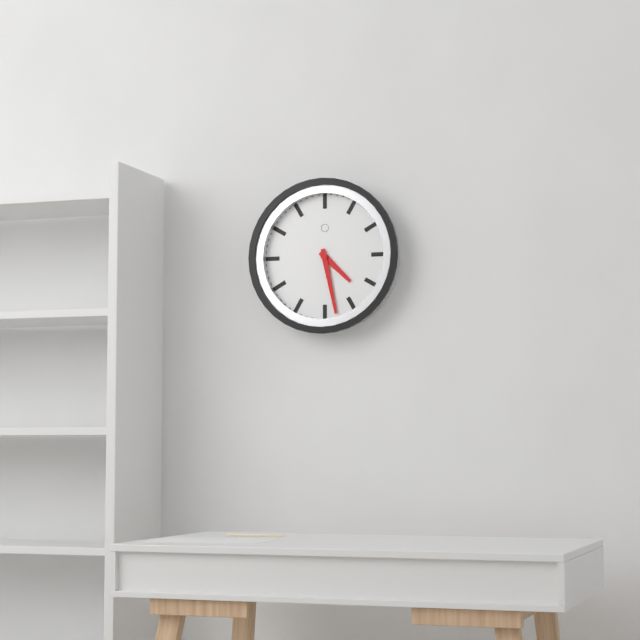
**4:28**
